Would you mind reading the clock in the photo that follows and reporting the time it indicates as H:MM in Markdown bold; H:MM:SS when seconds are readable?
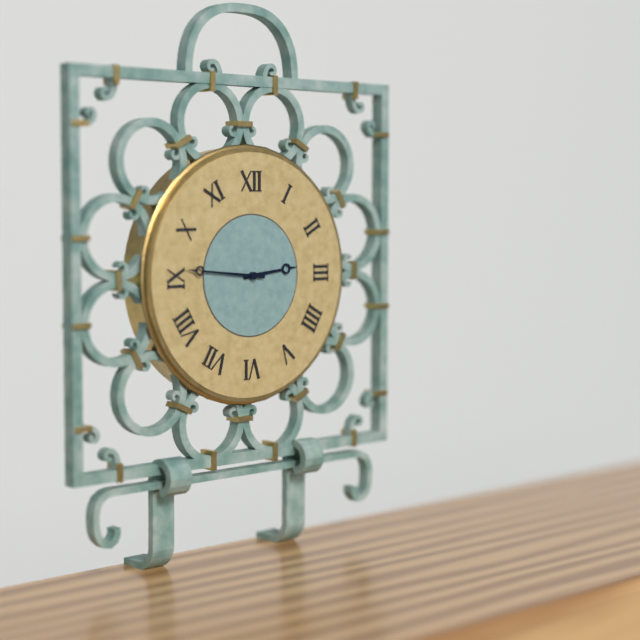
**2:46**
